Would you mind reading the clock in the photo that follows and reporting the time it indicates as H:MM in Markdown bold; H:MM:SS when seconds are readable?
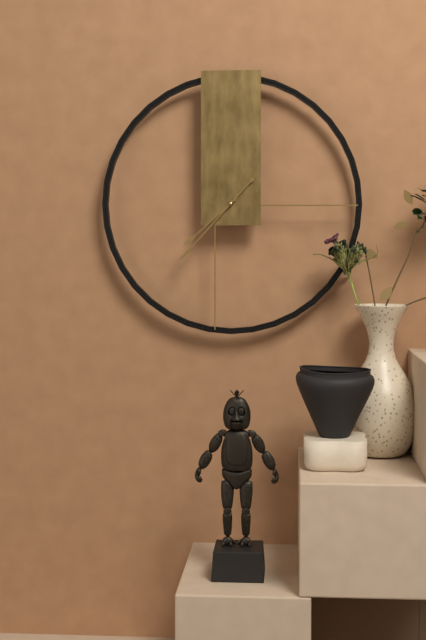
**7:37**
